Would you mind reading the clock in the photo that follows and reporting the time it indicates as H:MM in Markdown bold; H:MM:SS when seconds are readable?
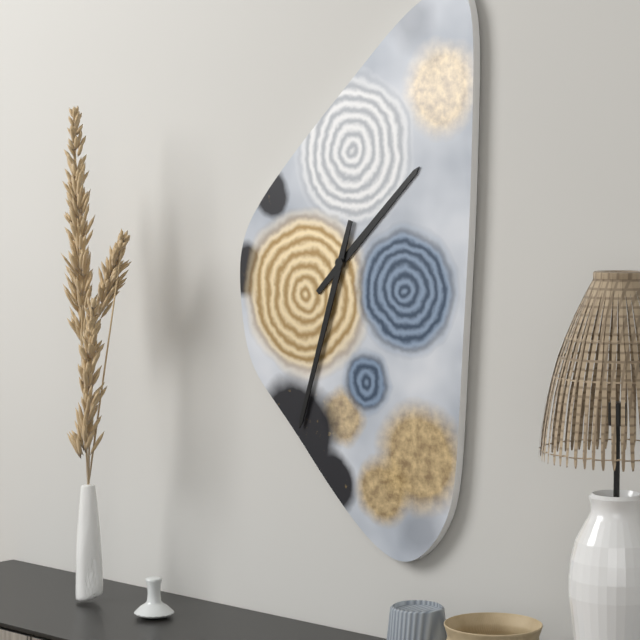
**1:33**
